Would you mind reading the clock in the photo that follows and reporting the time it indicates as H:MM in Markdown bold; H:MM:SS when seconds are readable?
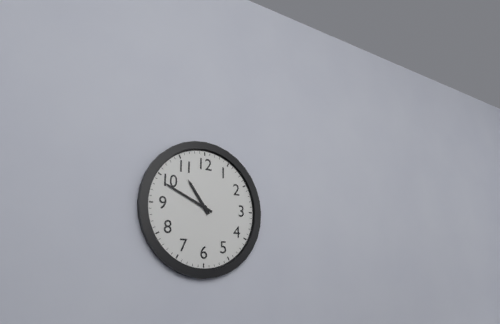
**10:49**
